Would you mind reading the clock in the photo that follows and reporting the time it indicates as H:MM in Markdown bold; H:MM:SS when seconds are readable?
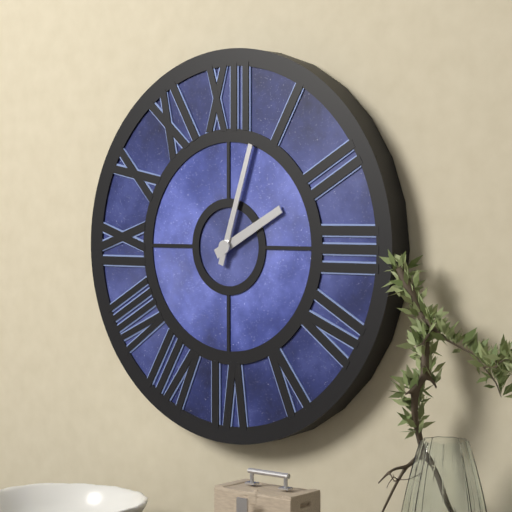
**2:03**
